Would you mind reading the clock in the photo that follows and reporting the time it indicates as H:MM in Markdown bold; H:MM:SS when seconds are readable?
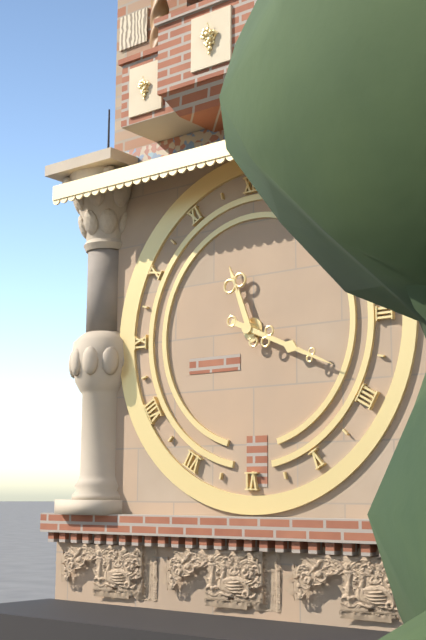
**11:19**
